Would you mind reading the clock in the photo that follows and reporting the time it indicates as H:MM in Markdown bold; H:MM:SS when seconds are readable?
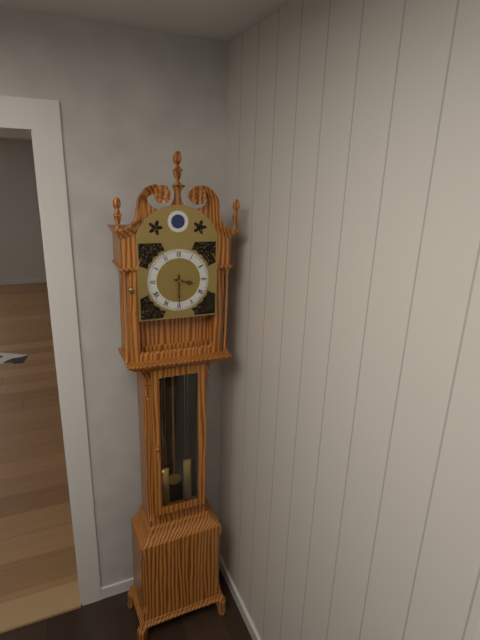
**3:30**
